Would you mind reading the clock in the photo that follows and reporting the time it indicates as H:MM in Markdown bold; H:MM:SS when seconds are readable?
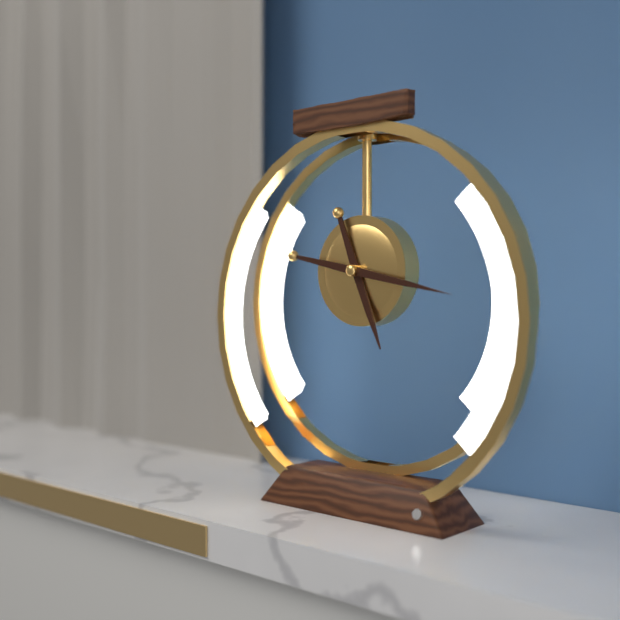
**5:17**
